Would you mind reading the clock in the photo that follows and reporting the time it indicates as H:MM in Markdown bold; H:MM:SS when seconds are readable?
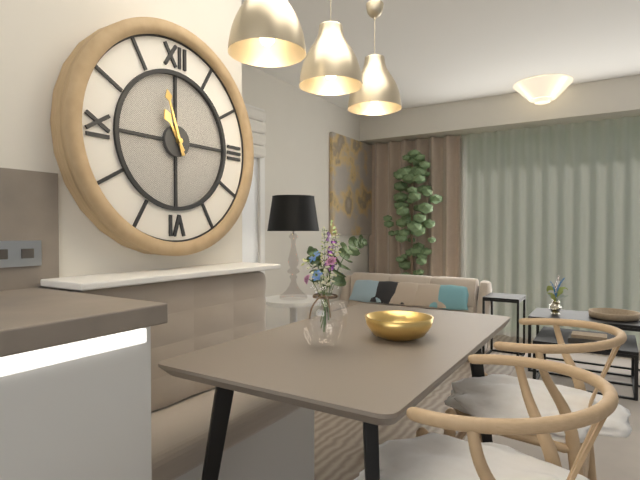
**10:57**
